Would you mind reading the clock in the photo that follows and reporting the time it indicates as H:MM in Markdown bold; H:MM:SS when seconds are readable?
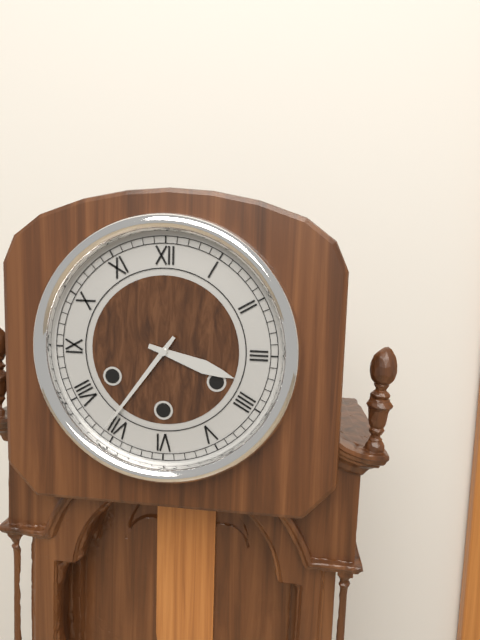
**3:36**
